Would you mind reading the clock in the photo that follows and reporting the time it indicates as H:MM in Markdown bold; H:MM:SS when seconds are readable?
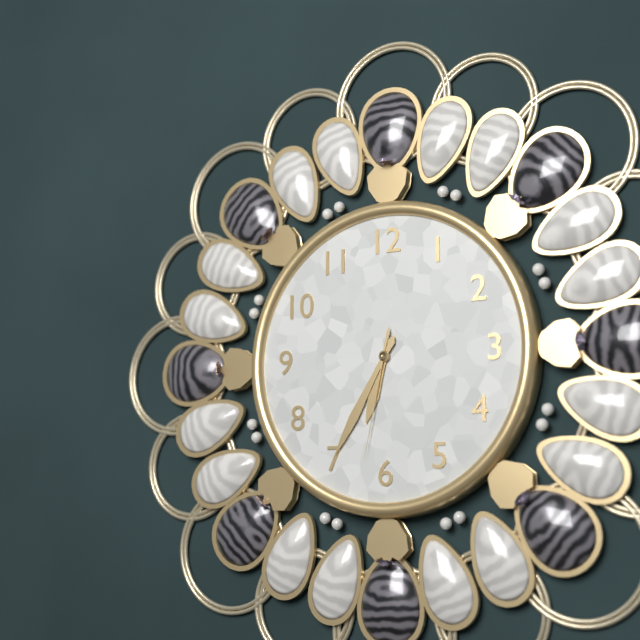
**6:35:32**
